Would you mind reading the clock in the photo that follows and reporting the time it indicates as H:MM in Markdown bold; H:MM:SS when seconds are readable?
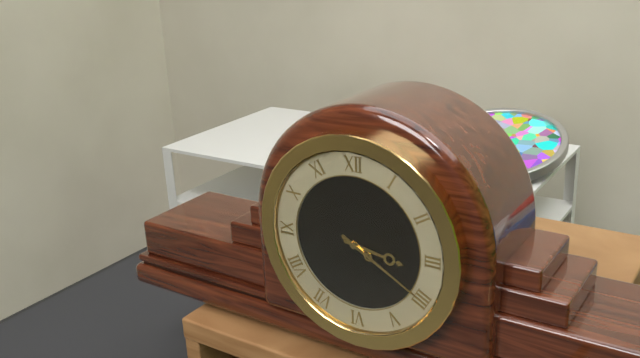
**3:20**
